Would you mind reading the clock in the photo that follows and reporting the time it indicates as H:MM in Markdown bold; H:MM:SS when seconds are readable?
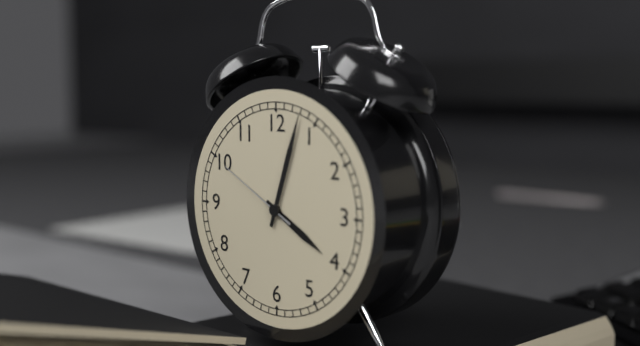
**4:03:50**
